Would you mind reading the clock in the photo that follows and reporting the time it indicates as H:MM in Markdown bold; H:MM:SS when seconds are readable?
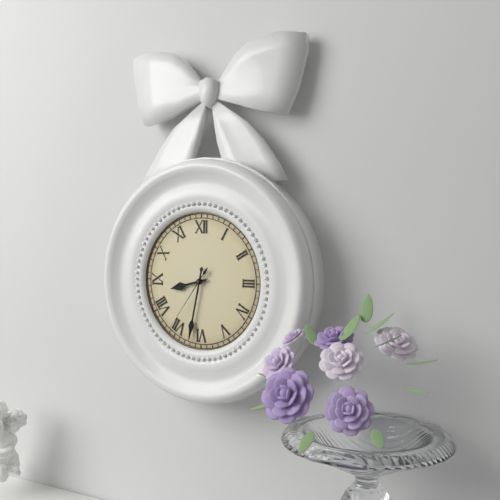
**8:32:36**
